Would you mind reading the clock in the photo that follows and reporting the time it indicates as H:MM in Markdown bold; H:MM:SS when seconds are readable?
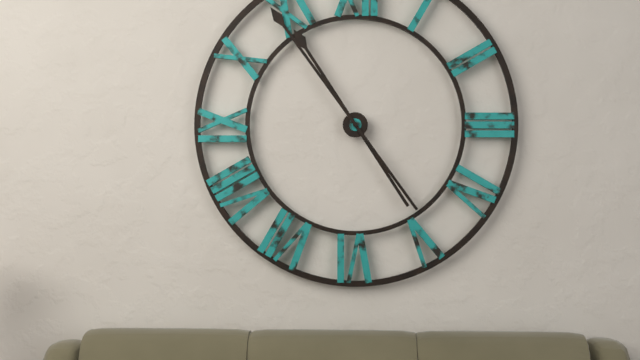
**10:54**
